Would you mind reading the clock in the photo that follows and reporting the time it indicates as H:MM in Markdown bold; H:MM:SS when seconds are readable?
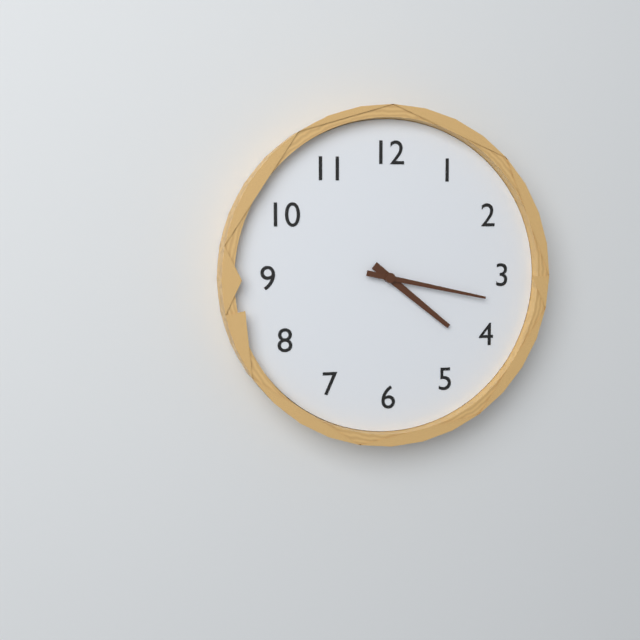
**4:17**
